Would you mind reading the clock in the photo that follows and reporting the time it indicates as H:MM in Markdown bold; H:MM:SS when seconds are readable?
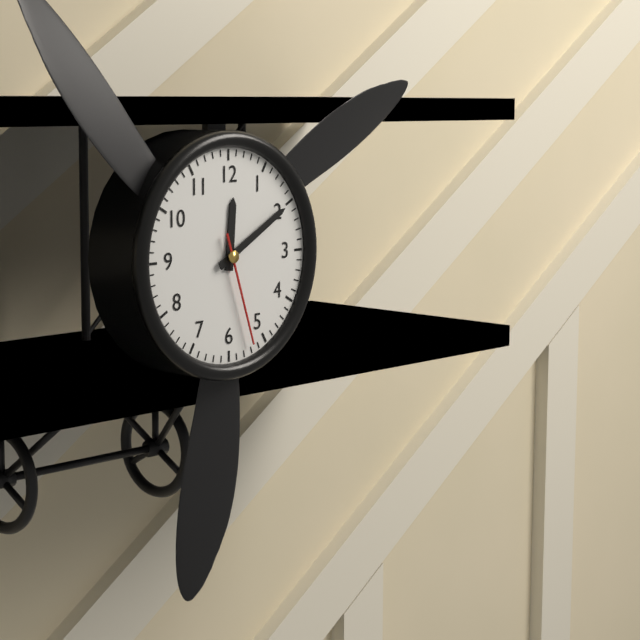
**12:10:27**
